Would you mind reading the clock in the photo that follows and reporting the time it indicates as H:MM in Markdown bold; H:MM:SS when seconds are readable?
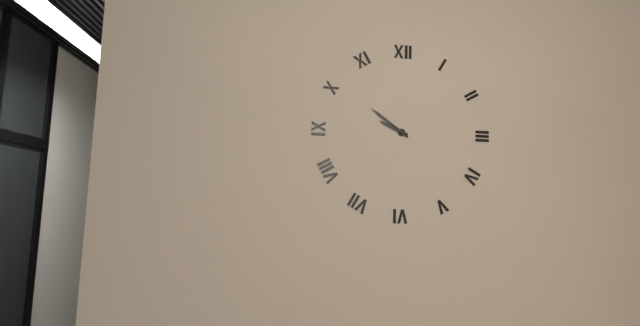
**9:51**
